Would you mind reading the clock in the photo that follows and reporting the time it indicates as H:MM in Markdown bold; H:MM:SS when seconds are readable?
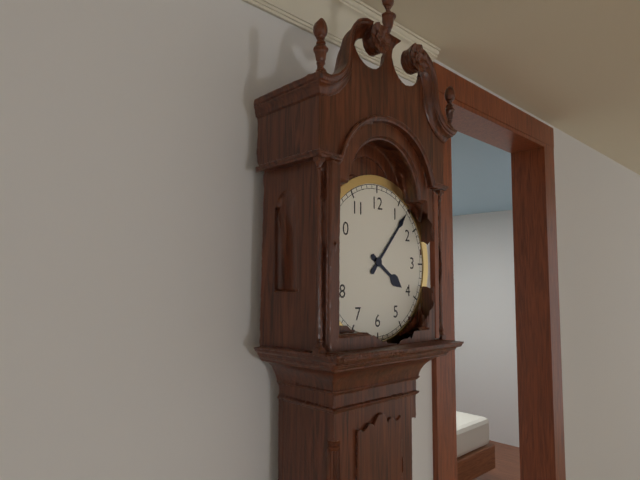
**4:07**
